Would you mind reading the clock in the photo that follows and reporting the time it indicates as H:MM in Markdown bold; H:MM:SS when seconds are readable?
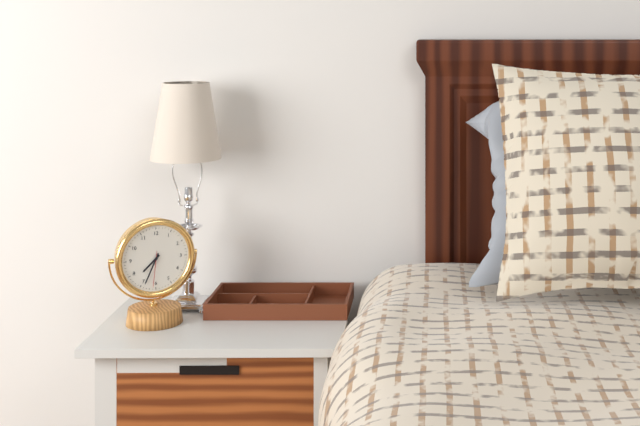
**7:34**
